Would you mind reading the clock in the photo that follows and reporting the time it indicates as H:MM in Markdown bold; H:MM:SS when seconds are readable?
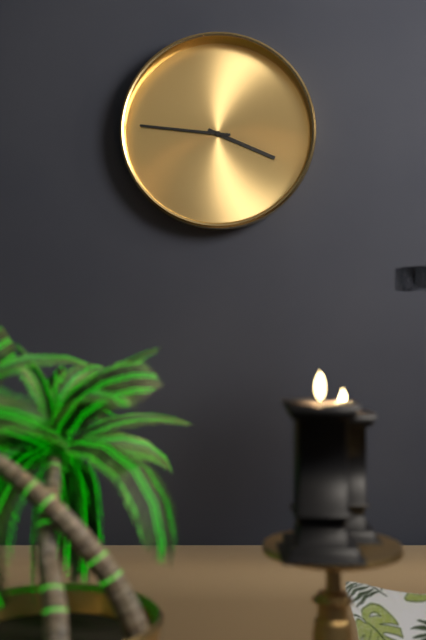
**3:46**
